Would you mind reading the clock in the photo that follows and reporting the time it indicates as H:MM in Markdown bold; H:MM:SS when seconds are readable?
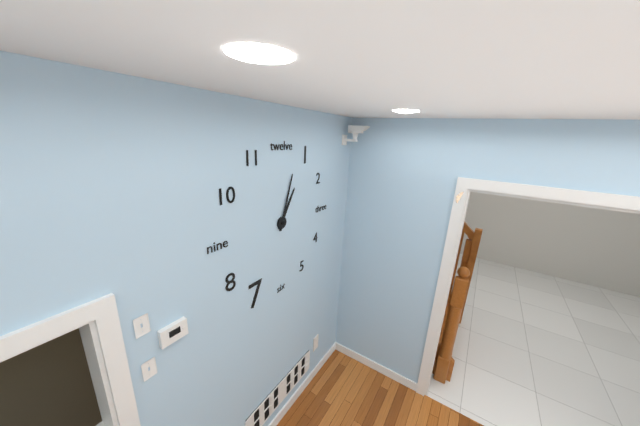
**1:03**
